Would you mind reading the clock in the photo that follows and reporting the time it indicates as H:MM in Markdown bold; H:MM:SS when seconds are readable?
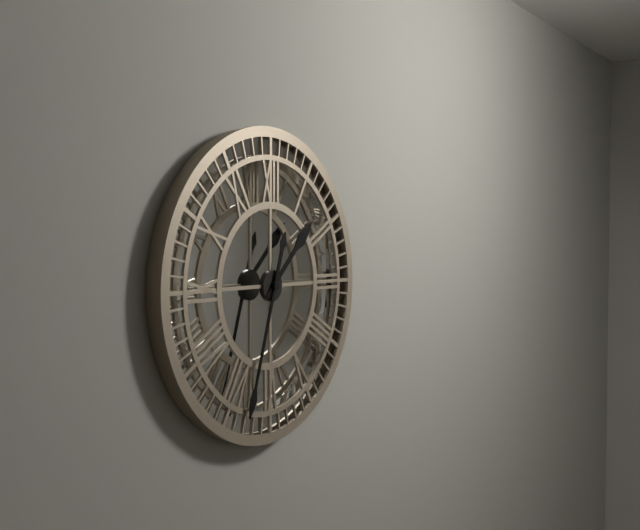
**1:33**
